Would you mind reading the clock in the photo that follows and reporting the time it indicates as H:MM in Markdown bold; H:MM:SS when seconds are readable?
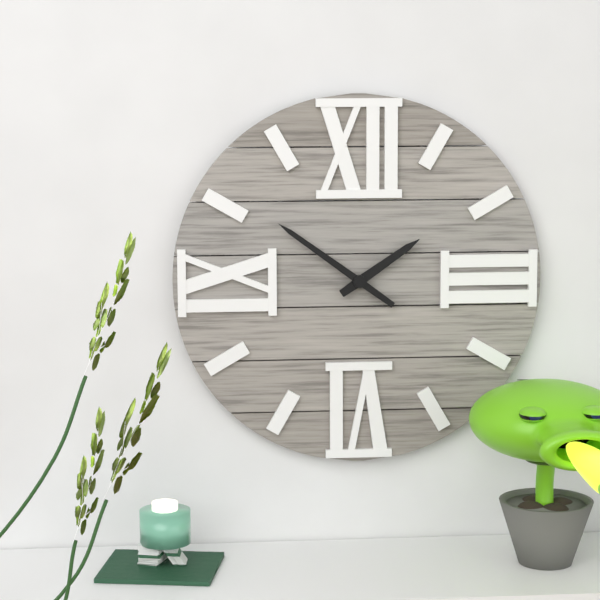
**1:51**
